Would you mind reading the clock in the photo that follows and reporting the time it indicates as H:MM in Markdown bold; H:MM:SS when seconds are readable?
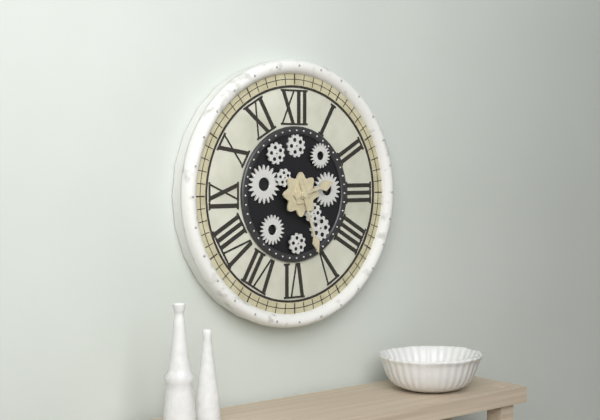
**2:27**
